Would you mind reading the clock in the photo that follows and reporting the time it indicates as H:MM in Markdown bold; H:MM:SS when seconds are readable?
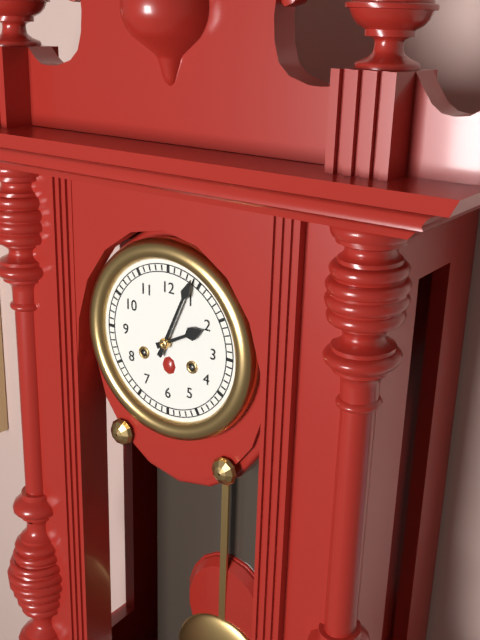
**2:04**
